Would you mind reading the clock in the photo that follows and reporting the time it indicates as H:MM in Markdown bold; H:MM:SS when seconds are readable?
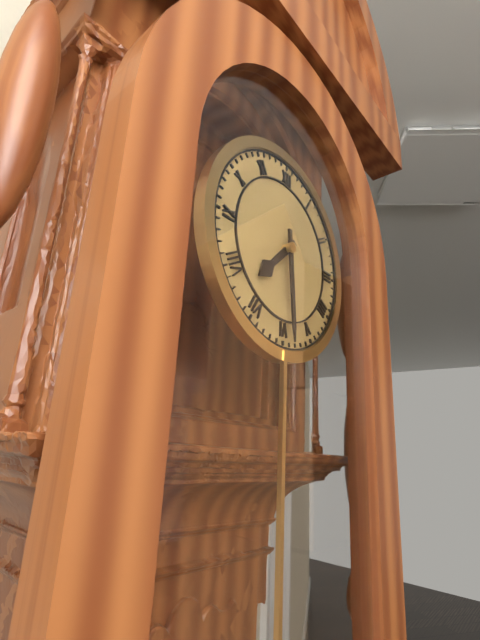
**7:29**
